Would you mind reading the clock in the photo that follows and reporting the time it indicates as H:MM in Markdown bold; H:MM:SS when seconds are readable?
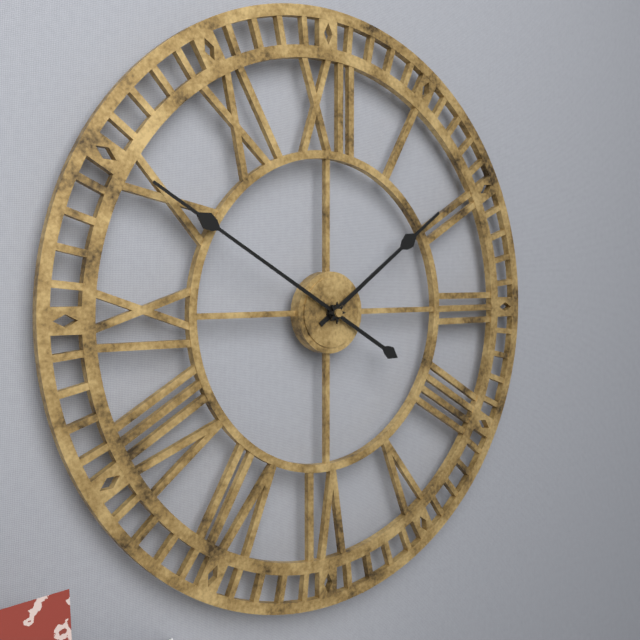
**1:50**
